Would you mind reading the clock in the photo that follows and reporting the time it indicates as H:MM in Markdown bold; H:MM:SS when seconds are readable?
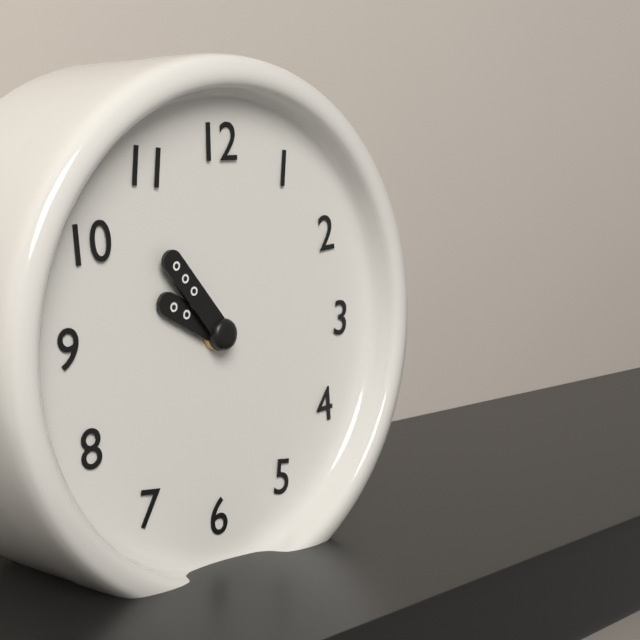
**9:53**
